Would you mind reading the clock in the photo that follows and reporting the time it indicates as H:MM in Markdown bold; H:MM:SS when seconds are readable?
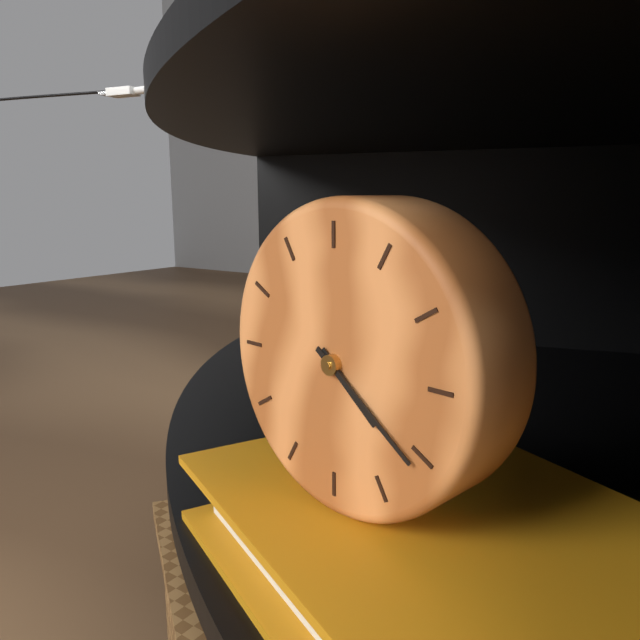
**4:21**
